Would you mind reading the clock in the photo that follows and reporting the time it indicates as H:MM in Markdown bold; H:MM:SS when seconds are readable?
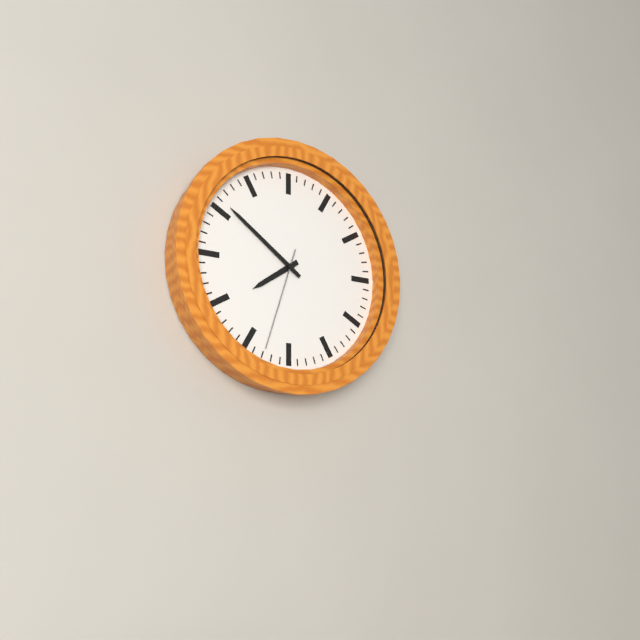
**7:51:33**
